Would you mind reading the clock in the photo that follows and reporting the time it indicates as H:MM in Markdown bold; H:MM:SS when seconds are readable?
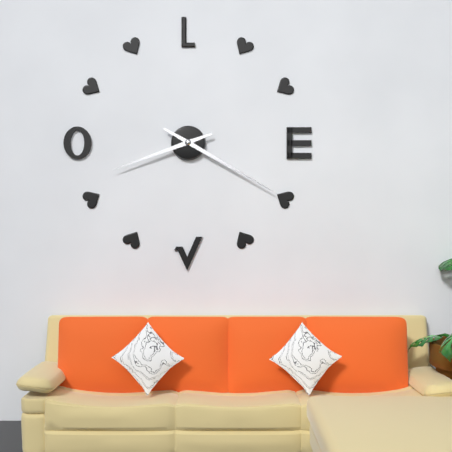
**8:20**
